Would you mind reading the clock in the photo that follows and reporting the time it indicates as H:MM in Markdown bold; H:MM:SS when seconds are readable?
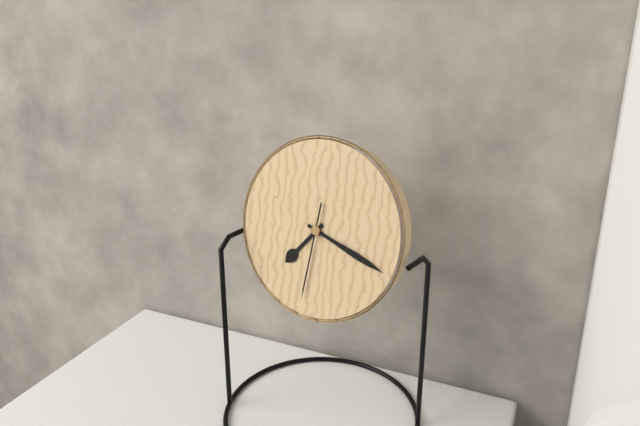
**7:18:31**
